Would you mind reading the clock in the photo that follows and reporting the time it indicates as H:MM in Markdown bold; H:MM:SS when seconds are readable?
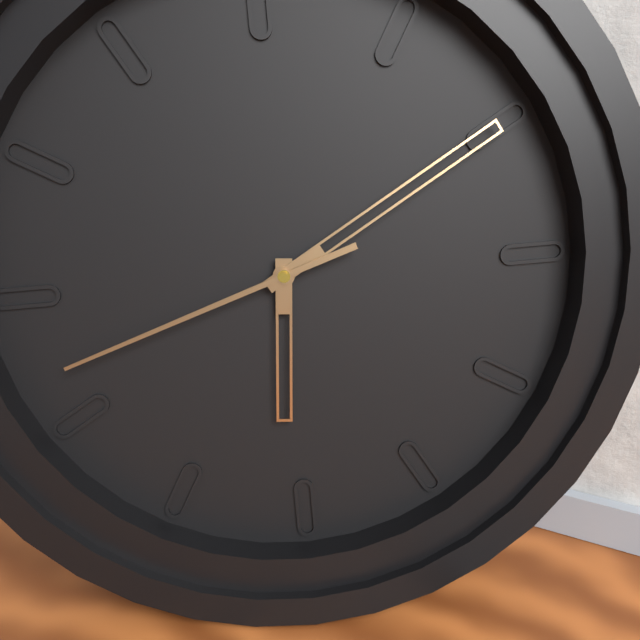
**6:10:42**
